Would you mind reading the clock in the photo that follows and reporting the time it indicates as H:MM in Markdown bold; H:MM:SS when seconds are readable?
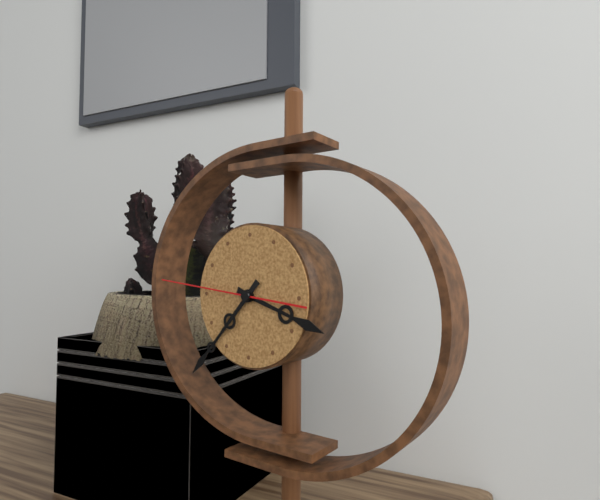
**3:37:46**
